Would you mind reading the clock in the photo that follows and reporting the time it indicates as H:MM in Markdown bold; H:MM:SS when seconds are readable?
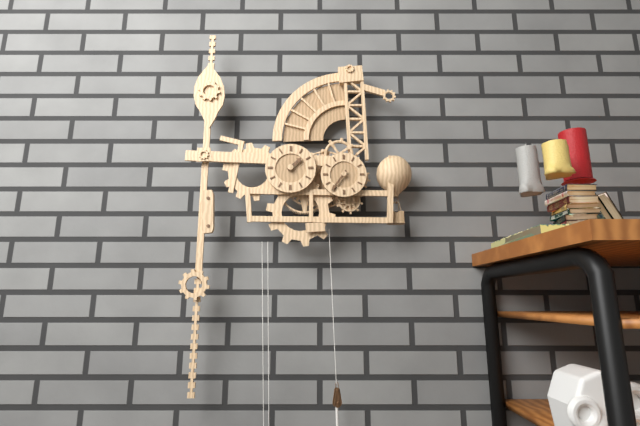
**1:36**
